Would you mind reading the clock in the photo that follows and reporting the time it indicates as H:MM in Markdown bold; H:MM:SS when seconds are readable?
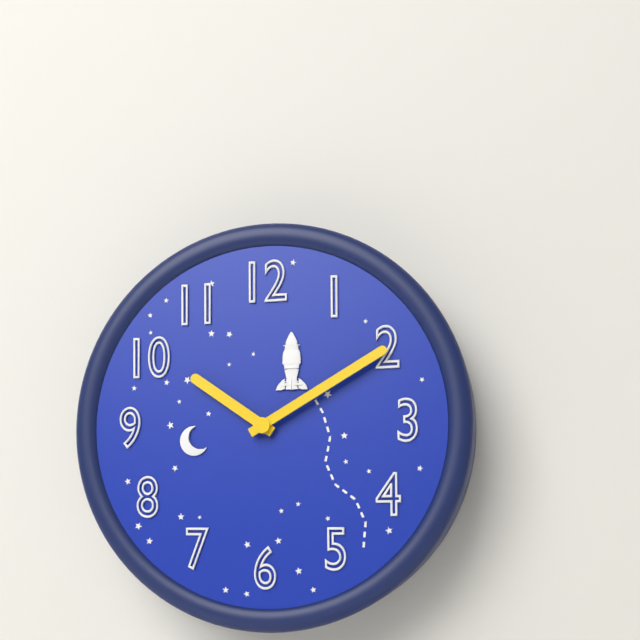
**10:10**
